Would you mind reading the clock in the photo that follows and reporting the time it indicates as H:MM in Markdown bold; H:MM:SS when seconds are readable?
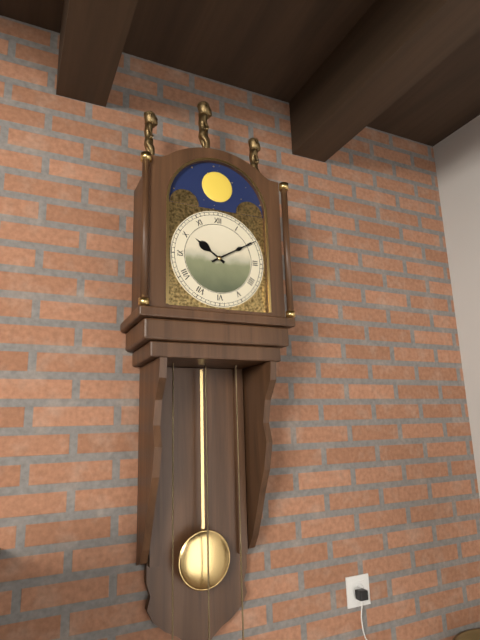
**10:10**
